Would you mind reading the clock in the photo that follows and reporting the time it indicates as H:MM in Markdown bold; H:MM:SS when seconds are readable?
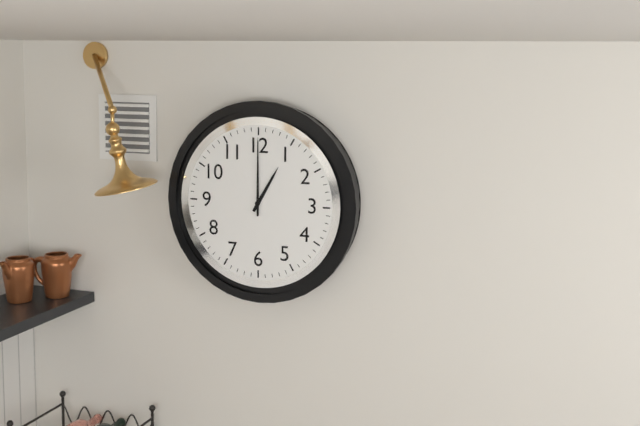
**1:00**
